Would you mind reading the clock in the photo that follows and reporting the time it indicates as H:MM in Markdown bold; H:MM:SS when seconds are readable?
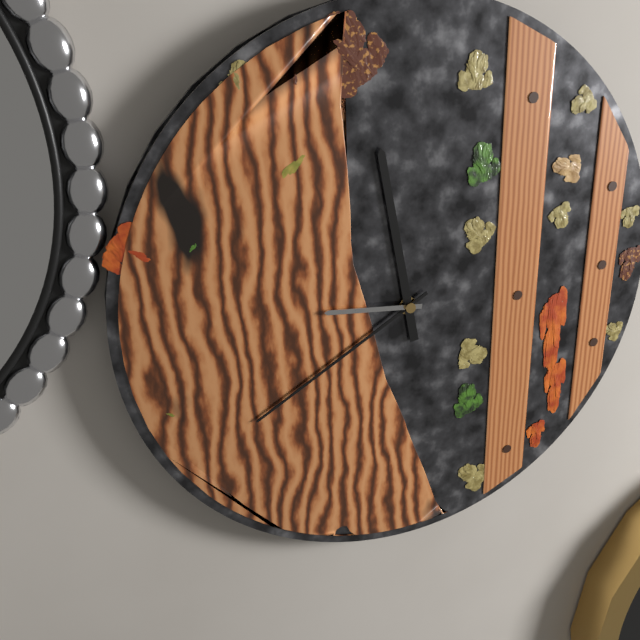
**11:40:46**
